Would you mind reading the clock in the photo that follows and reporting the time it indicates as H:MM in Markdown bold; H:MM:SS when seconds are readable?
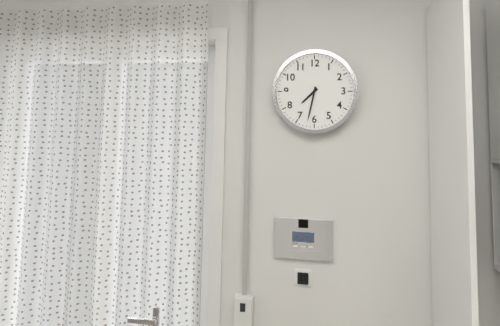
**7:32**
